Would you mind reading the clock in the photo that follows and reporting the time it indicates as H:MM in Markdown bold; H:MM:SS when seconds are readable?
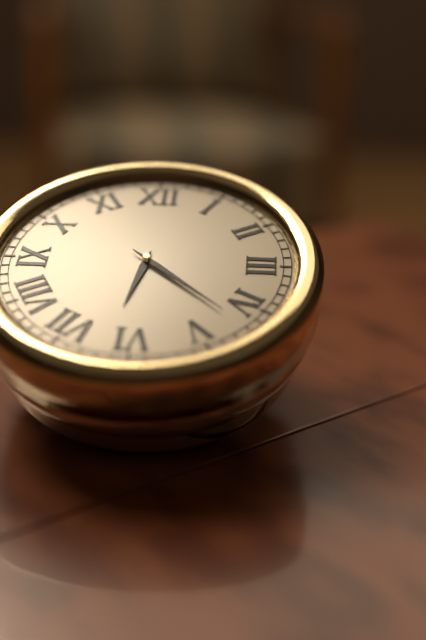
**6:22**
